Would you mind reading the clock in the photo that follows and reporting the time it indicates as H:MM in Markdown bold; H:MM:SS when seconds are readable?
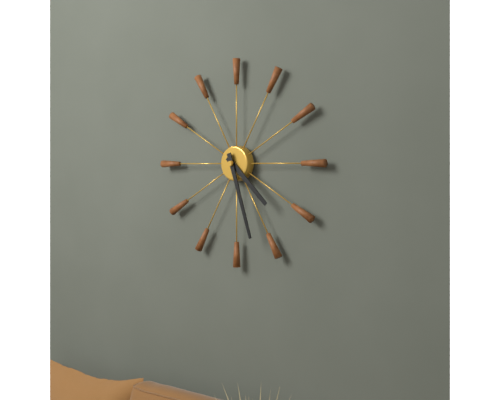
**4:27**
